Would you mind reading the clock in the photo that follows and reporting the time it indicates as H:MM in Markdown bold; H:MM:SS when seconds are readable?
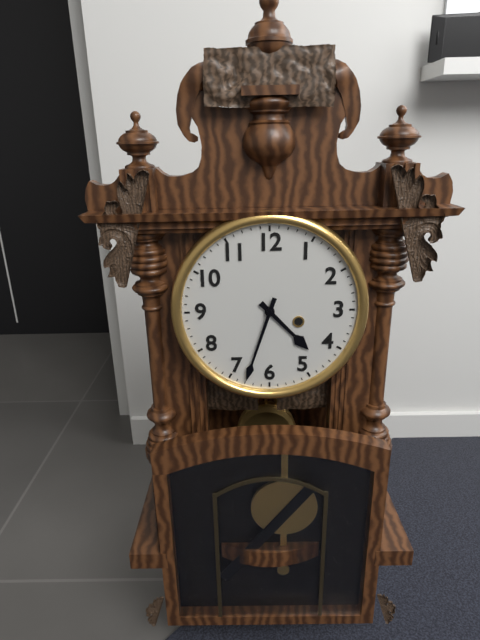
**4:33**
